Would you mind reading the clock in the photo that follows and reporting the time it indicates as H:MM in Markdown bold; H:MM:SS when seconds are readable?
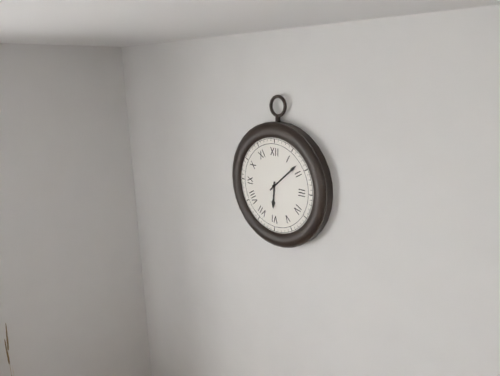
**6:08**
